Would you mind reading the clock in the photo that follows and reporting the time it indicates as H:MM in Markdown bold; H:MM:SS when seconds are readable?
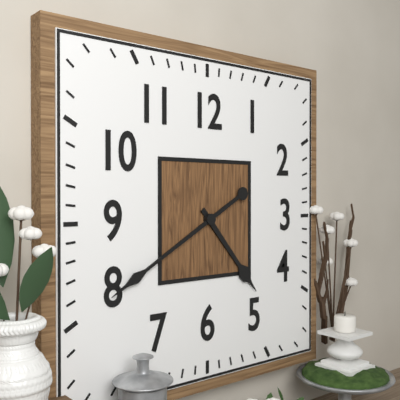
**4:40**
